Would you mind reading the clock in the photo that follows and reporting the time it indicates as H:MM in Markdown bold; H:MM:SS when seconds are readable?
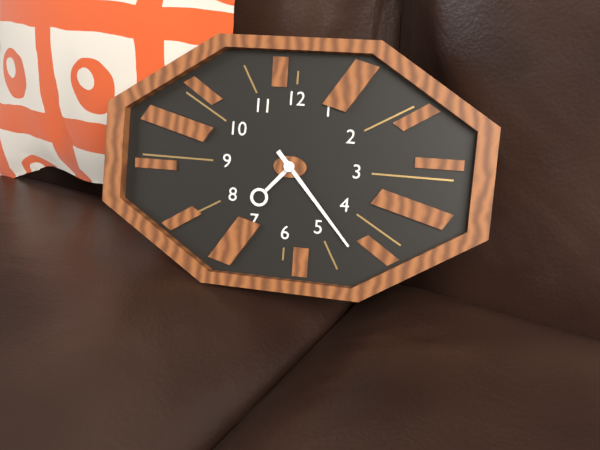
**7:23**
